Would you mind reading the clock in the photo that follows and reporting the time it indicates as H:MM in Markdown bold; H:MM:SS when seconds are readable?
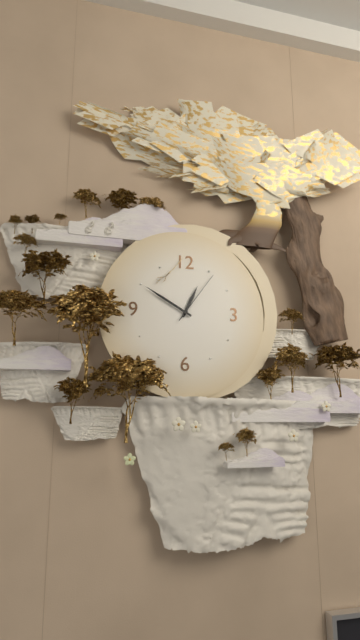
**12:50:06**
